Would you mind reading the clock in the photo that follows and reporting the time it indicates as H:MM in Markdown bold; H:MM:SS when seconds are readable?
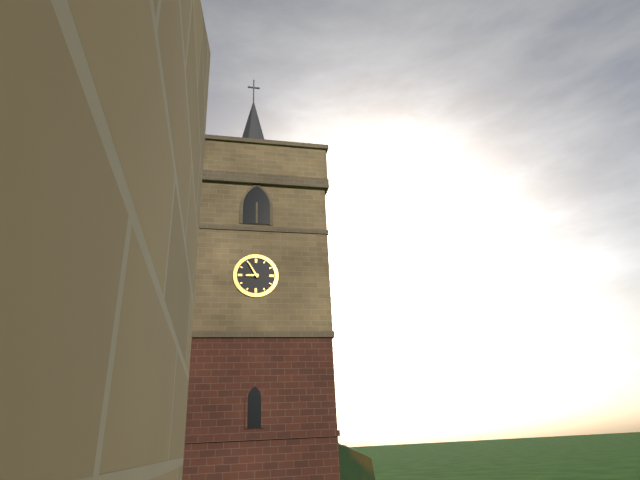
**8:55**
